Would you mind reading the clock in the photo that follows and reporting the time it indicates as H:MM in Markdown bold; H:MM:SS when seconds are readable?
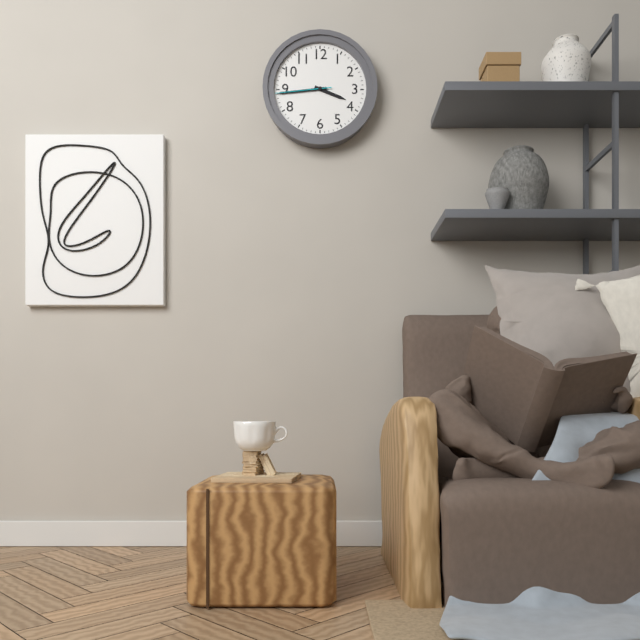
**3:44:44**
